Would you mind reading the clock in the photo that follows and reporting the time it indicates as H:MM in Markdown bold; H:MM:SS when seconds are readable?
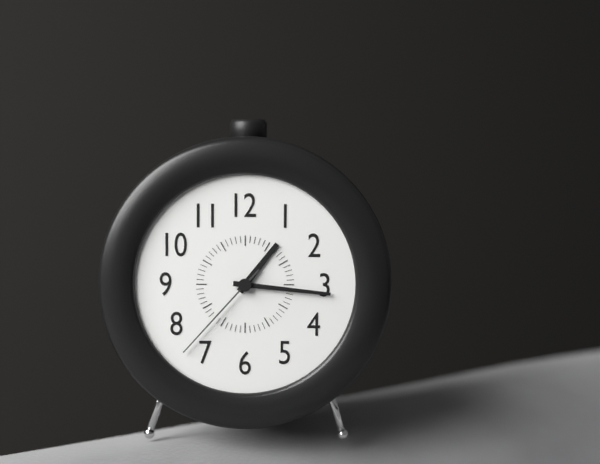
**1:16:37**
